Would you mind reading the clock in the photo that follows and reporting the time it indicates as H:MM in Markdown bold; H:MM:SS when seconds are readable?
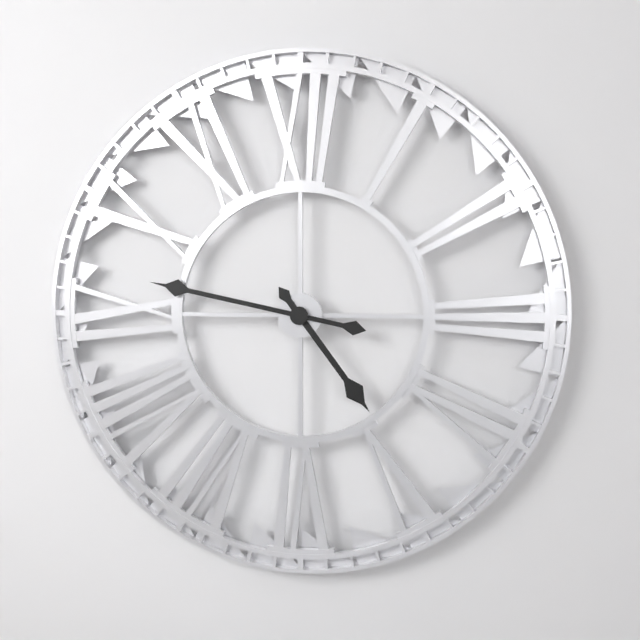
**4:47**
